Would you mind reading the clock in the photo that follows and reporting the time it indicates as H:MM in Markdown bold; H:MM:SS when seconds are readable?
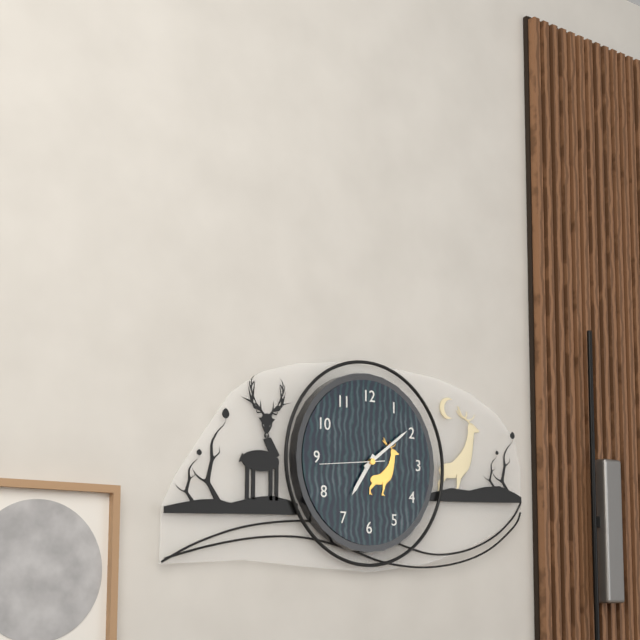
**7:09:44**
